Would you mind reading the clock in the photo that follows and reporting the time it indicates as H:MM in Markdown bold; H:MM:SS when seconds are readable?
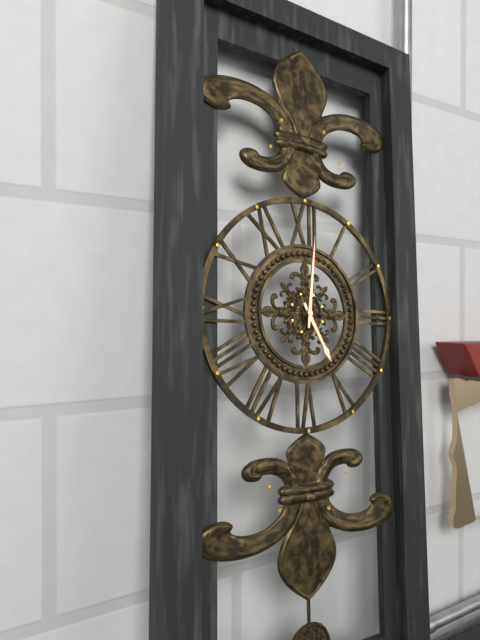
**5:01**
